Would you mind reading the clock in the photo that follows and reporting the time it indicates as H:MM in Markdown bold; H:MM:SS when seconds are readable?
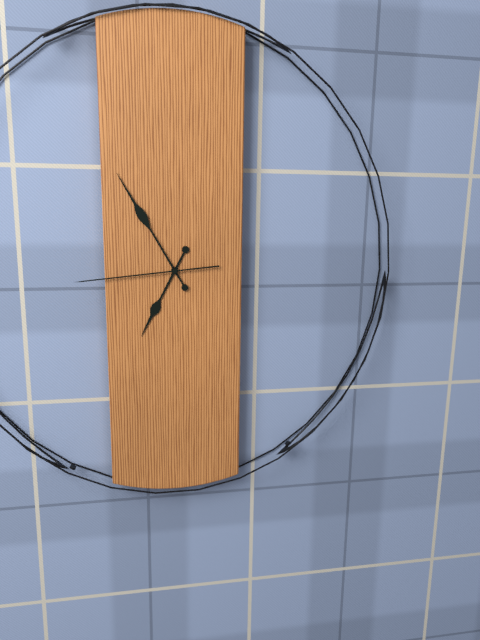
**6:55:44**
